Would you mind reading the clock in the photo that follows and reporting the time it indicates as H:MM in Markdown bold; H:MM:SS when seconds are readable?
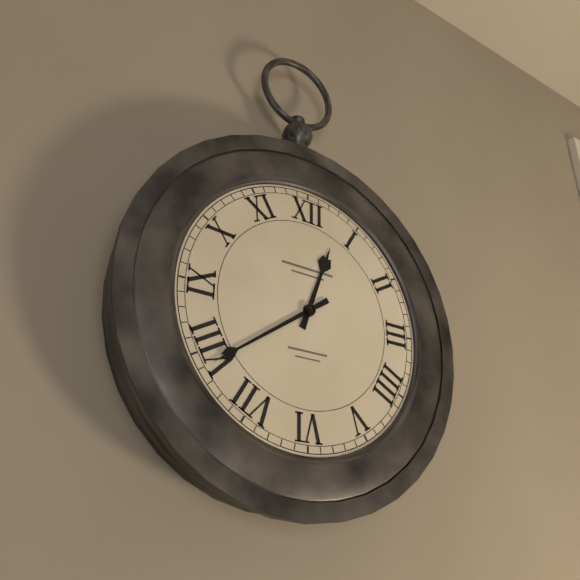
**12:39**
